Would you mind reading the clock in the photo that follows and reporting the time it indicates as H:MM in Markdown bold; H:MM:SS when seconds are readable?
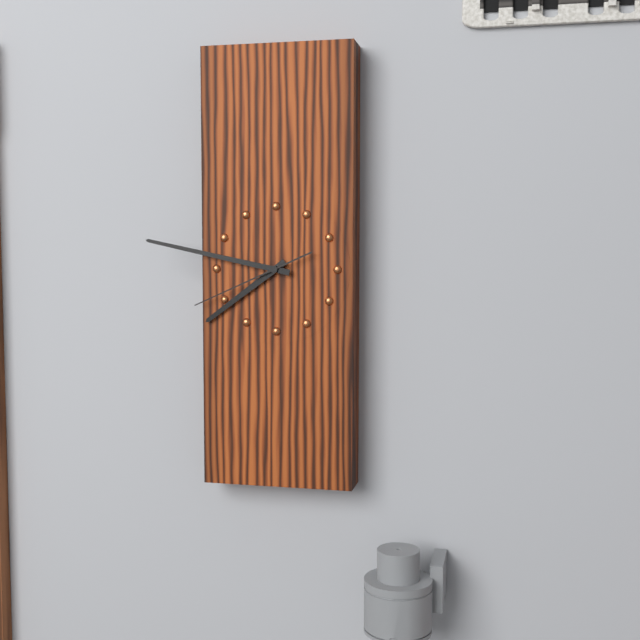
**7:47:41**
